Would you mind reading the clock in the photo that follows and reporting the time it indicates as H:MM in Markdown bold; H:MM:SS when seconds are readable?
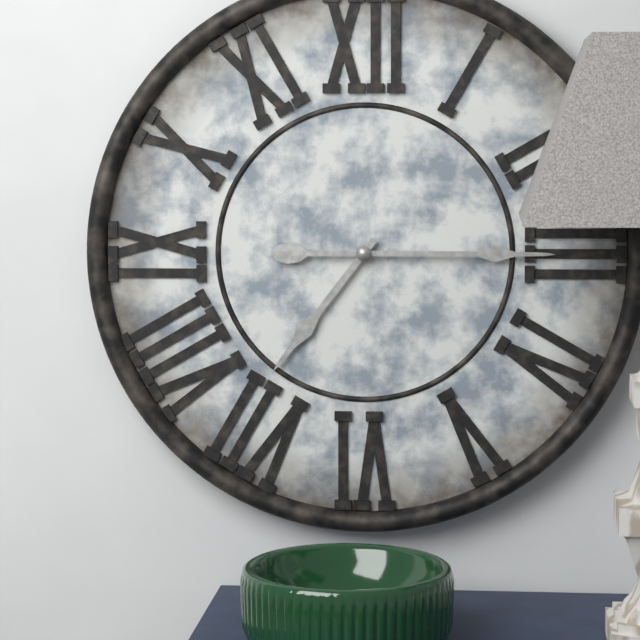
**7:15**
